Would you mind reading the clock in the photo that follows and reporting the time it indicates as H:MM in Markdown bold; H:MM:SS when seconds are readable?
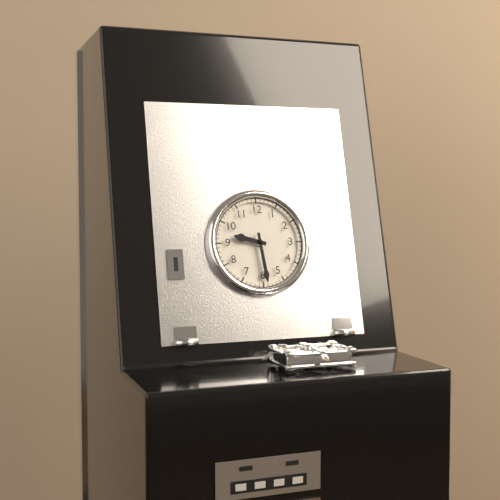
**9:29**
